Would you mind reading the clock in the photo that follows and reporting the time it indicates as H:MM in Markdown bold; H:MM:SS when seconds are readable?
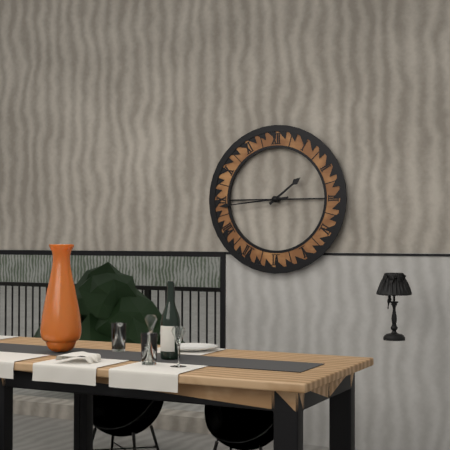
**1:44**
